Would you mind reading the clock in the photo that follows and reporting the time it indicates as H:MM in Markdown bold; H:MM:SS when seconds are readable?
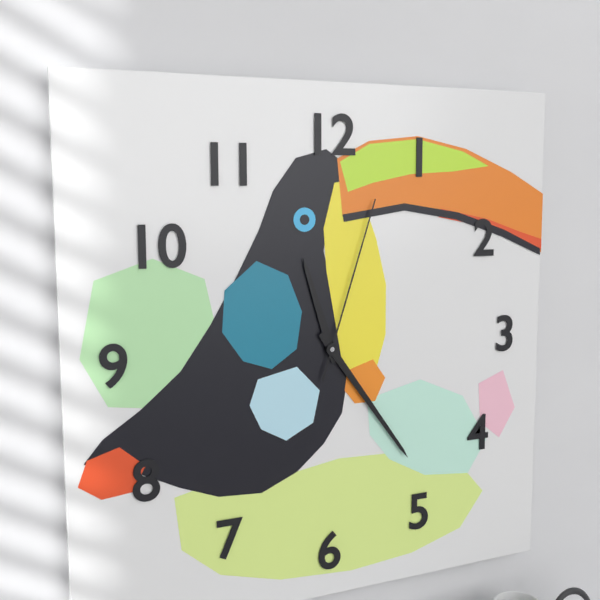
**11:24:03**
